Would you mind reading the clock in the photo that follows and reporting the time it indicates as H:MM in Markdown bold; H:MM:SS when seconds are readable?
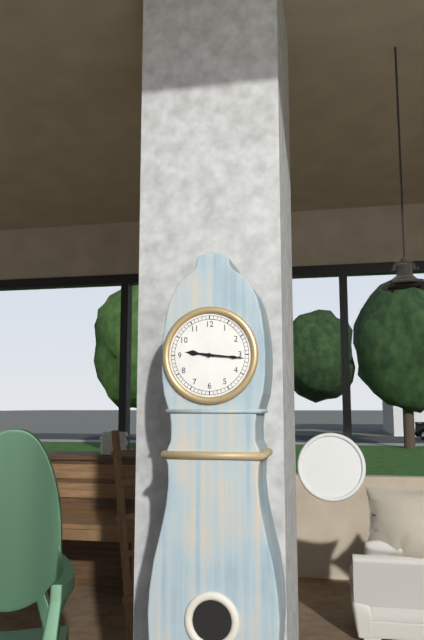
**9:16**
